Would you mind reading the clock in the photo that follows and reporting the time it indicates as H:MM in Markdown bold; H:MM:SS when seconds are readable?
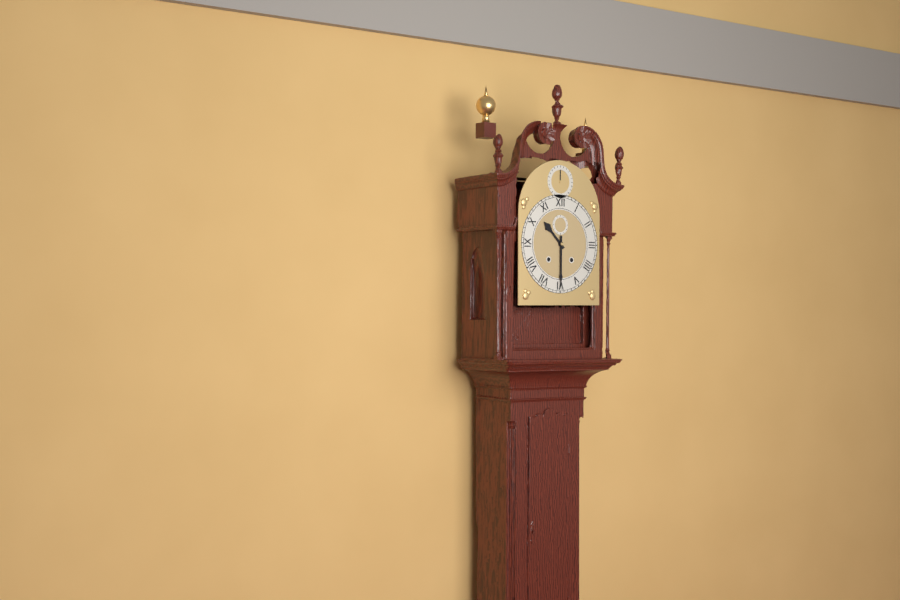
**10:30**
